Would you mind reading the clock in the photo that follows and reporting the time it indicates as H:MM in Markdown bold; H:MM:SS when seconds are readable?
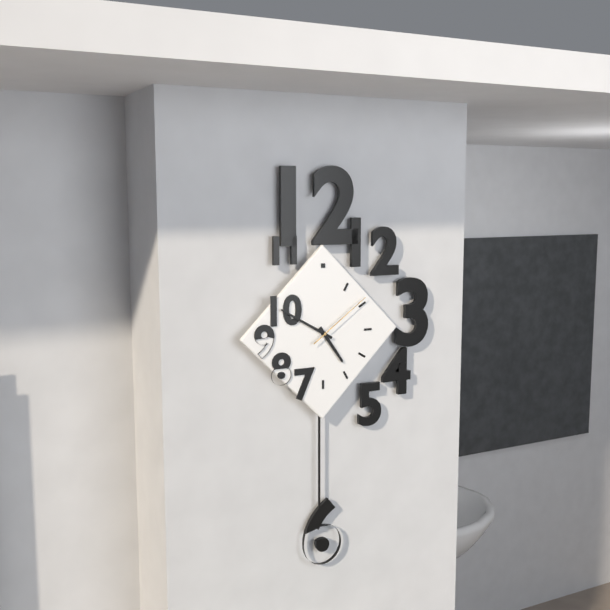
**4:50:09**
